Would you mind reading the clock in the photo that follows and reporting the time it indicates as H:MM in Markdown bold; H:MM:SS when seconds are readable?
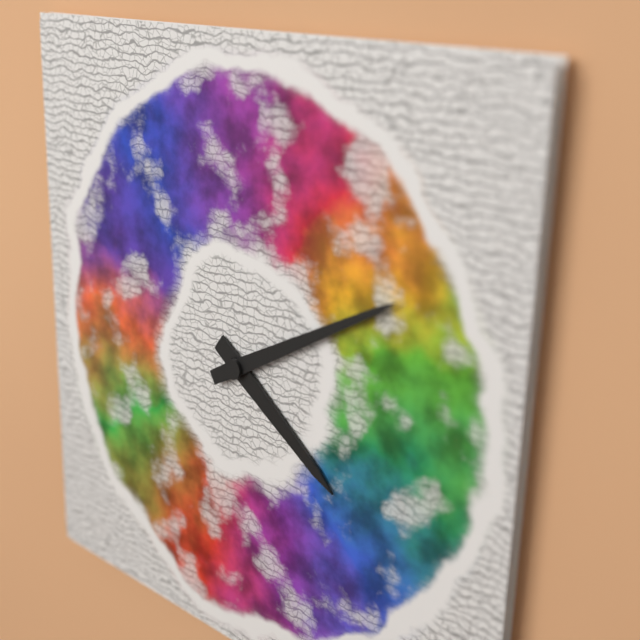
**4:10**
